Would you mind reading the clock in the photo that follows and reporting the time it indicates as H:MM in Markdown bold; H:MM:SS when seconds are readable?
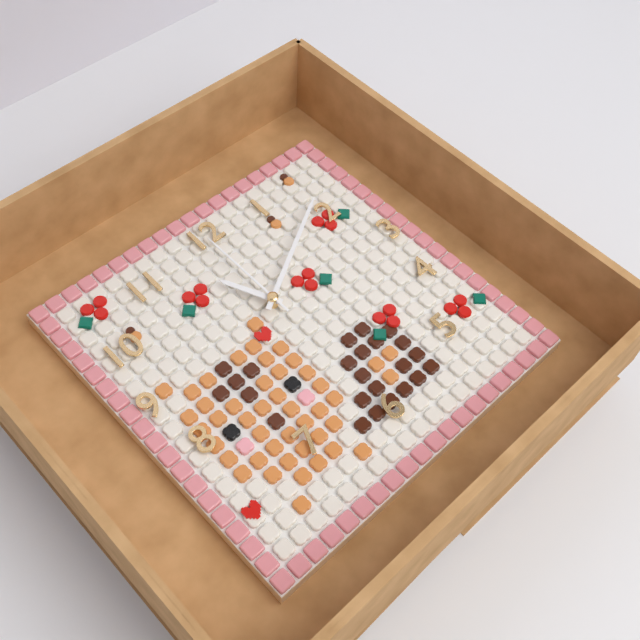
**11:10:00**
